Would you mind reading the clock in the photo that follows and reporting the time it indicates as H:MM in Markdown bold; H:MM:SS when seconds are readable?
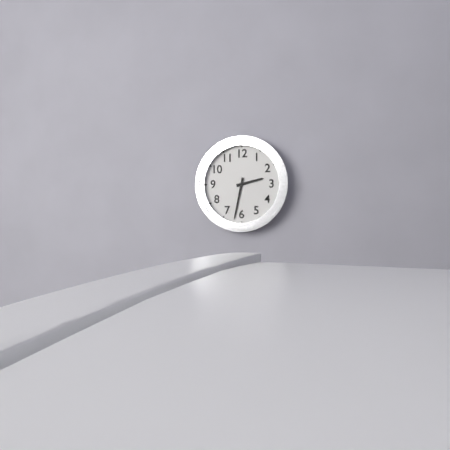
**2:32**
